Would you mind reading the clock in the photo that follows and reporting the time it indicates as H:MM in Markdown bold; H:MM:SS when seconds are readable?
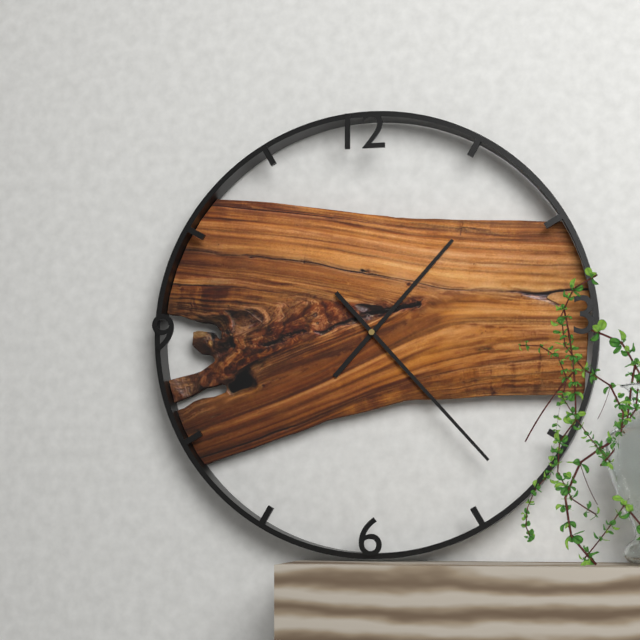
**1:23**
